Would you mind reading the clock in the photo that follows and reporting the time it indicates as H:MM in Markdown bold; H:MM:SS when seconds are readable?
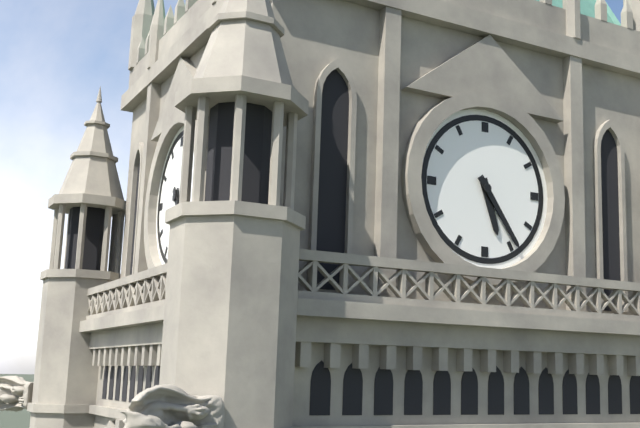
**5:24**
